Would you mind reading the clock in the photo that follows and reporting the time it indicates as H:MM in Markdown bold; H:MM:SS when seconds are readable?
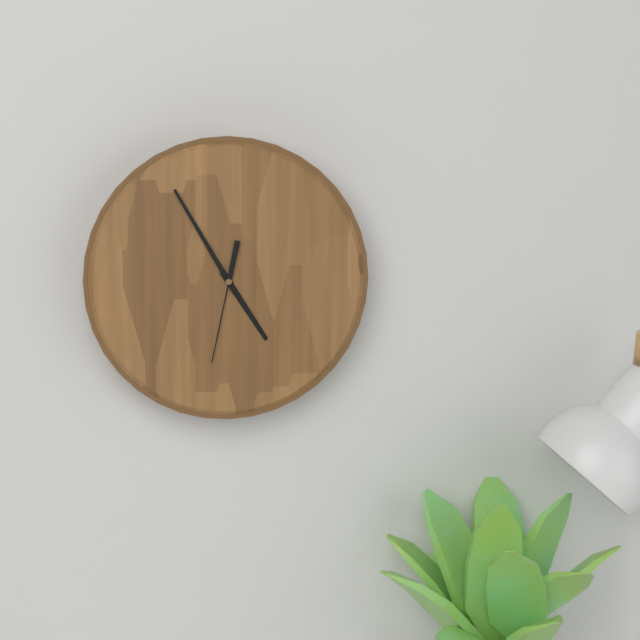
**4:55:32**
